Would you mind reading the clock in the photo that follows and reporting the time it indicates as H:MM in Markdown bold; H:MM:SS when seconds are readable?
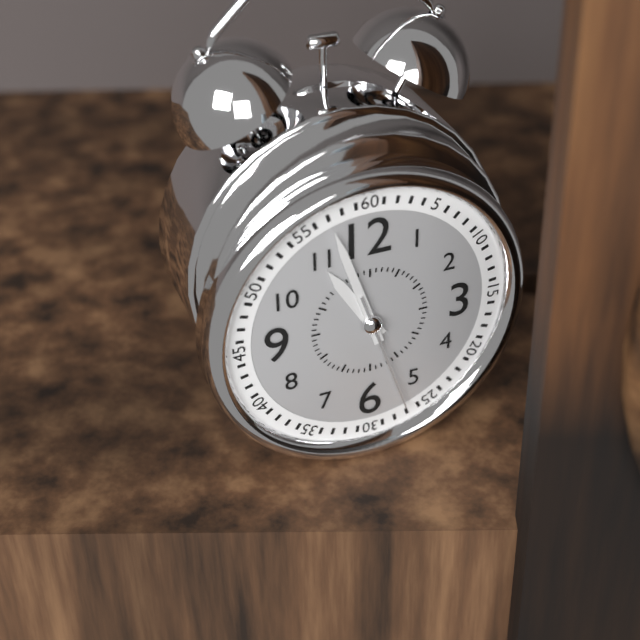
**10:57:27**
